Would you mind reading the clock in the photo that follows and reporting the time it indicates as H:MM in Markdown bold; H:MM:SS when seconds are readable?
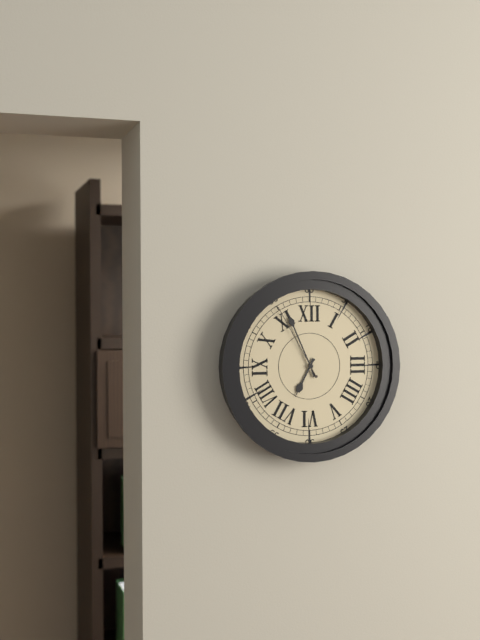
**6:56:55**
